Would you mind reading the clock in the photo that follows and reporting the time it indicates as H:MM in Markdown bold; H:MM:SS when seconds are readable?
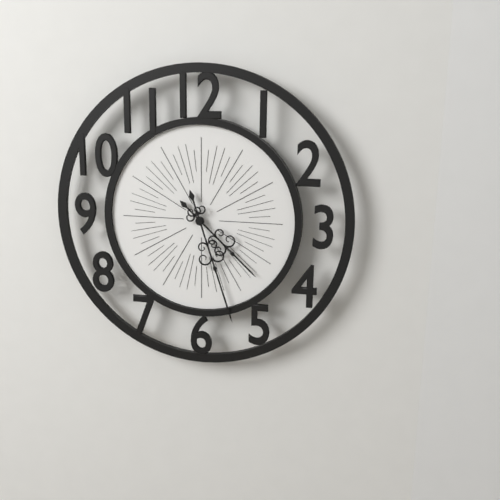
**4:27**
